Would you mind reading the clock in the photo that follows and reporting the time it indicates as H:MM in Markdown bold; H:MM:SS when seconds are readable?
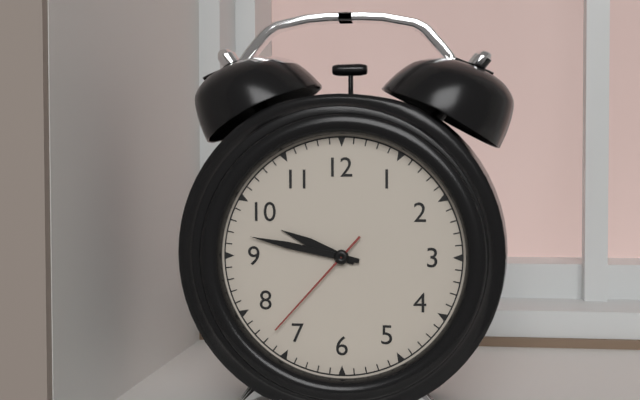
**9:47:37**
